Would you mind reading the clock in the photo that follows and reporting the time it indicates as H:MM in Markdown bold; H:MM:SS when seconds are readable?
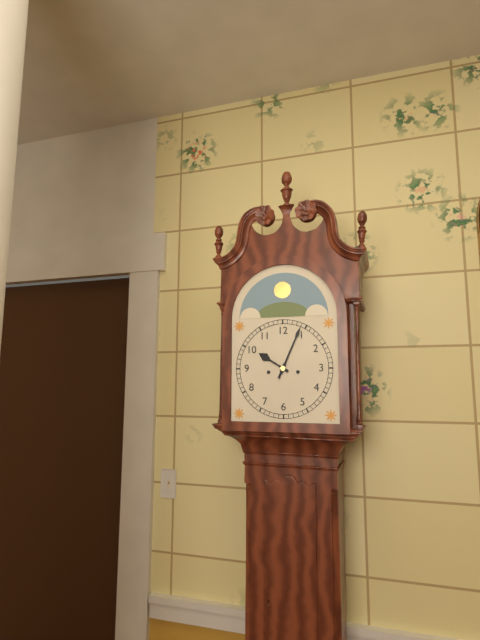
**10:04**
